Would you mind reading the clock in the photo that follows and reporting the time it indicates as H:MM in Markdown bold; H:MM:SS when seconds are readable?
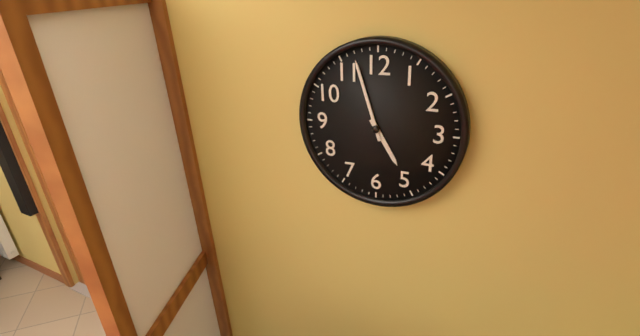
**4:57**
